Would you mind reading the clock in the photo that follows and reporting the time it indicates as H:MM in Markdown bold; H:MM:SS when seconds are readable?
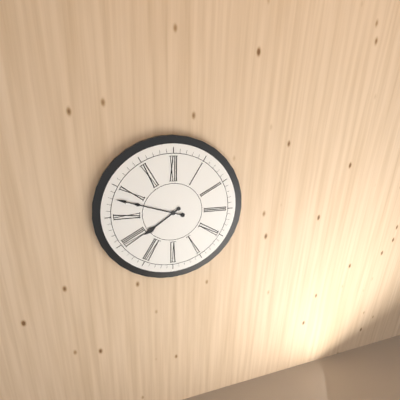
**7:48**
